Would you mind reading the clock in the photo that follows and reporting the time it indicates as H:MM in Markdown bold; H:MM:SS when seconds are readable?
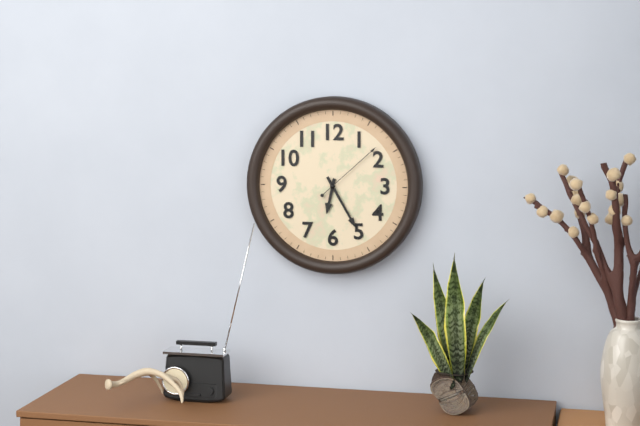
**6:25:08**
